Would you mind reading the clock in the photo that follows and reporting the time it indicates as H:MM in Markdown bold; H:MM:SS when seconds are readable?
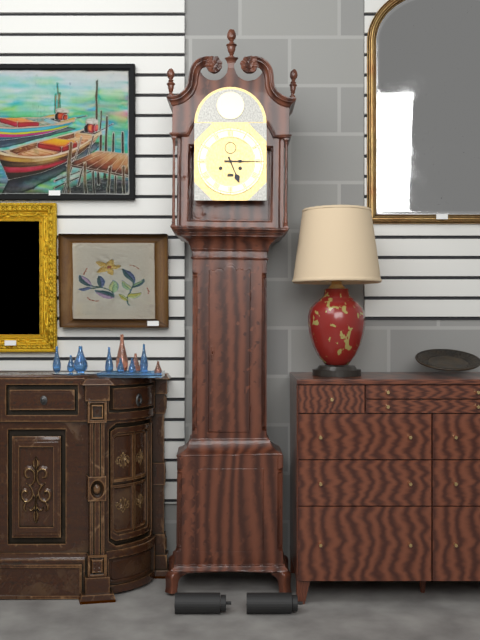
**5:15**
